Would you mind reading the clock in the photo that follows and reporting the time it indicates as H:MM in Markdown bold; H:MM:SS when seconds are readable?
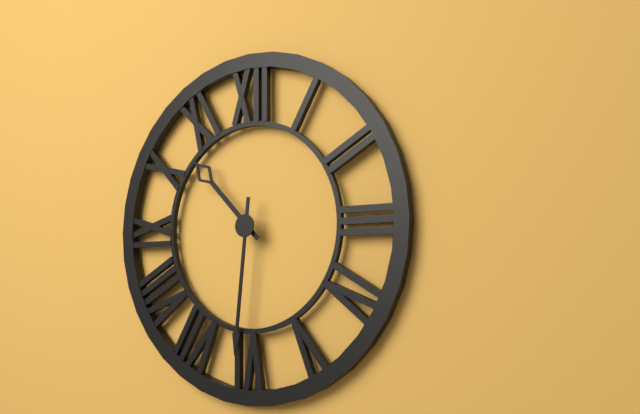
**10:31**
